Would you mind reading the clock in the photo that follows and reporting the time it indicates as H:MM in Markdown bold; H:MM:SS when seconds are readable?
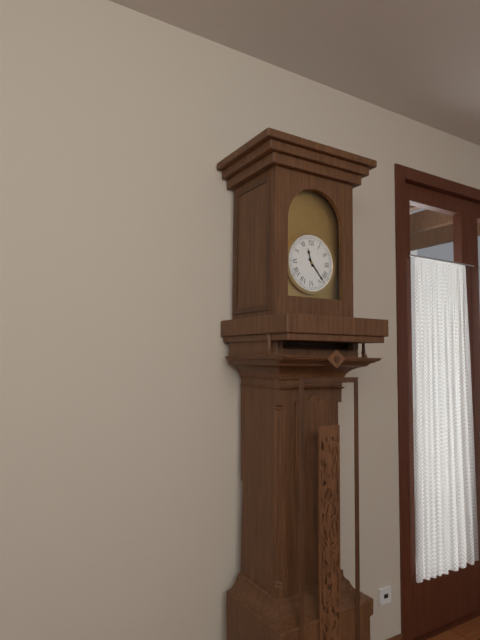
**11:23**
